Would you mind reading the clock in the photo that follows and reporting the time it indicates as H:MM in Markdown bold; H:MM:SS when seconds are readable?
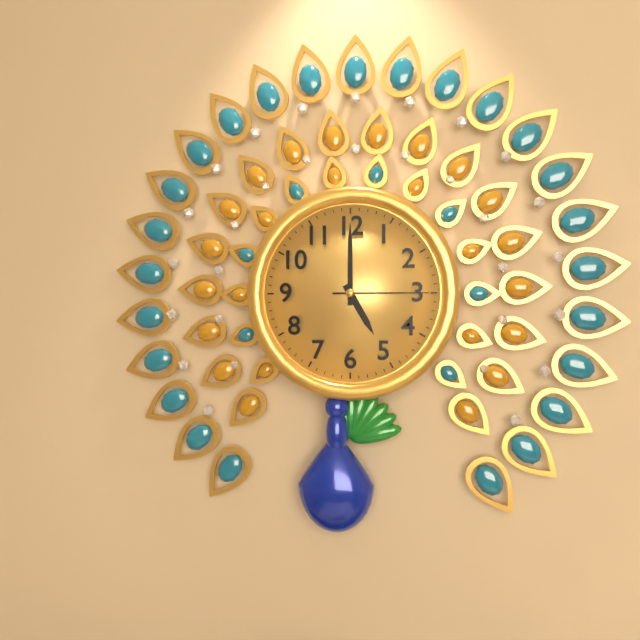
**5:00:15**
